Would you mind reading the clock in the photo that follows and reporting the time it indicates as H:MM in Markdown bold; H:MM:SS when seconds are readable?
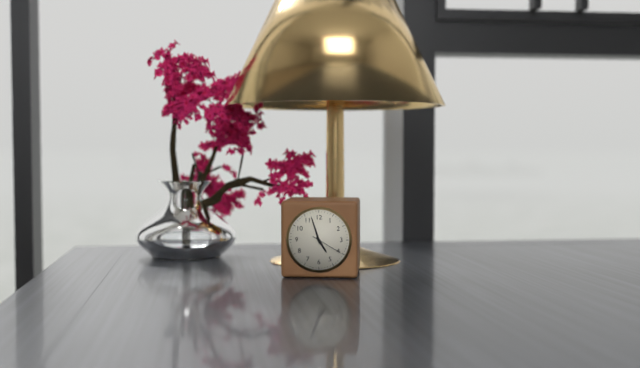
**4:57**
